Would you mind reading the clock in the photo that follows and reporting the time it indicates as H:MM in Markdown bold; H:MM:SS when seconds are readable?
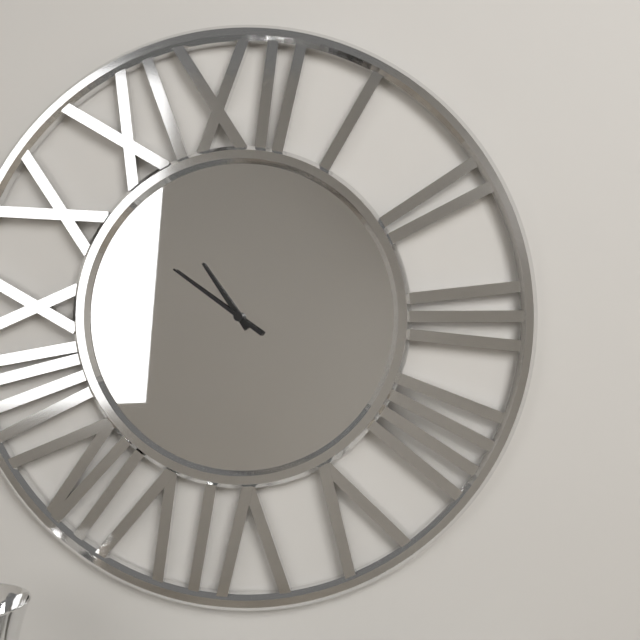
**10:51**
